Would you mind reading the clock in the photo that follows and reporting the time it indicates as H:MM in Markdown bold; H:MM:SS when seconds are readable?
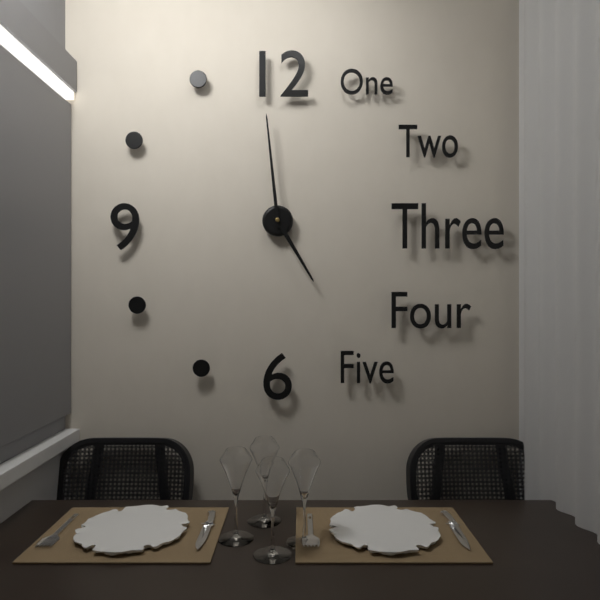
**4:59**
